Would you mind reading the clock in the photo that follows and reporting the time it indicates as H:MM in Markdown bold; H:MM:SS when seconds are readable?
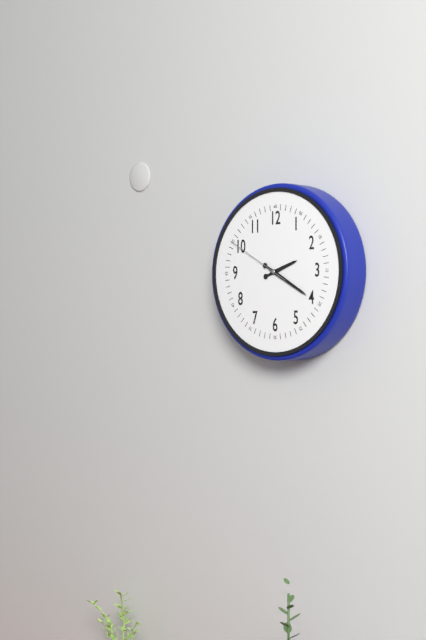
**2:20:50**
